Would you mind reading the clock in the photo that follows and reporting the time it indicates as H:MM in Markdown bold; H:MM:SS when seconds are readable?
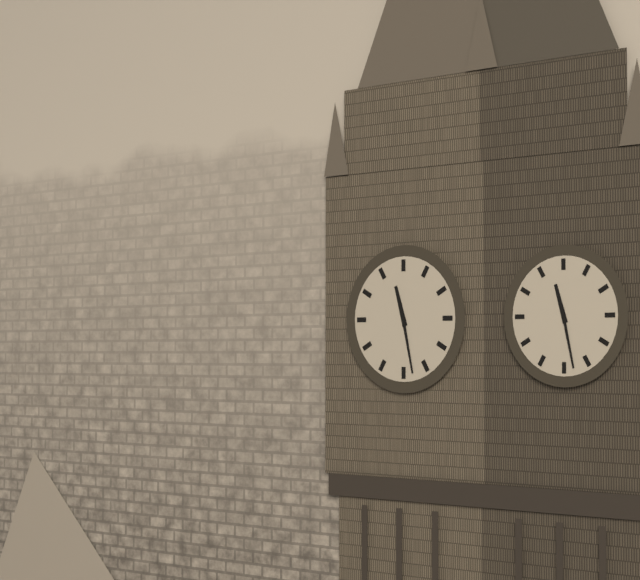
**11:28**
